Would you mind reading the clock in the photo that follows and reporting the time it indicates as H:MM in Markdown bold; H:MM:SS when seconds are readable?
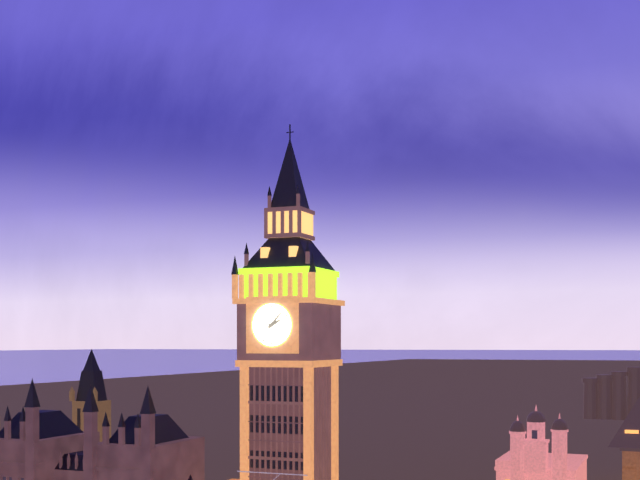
**2:07**
